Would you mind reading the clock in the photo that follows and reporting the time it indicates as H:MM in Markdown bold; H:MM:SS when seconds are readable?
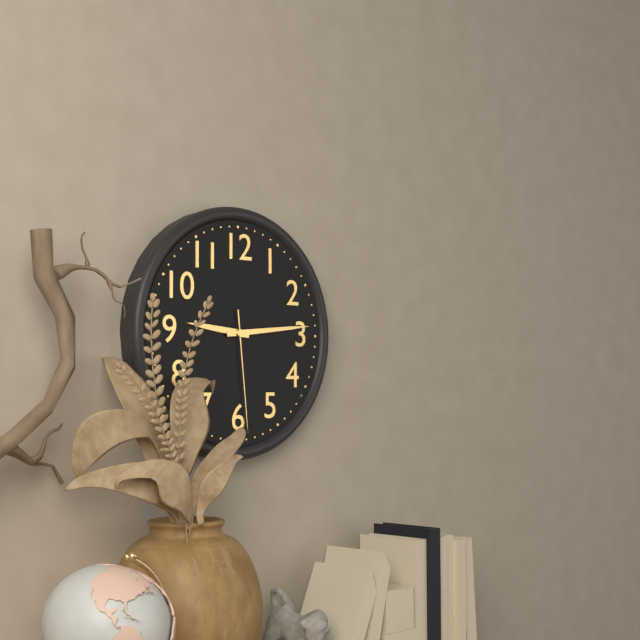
**9:14:29**
